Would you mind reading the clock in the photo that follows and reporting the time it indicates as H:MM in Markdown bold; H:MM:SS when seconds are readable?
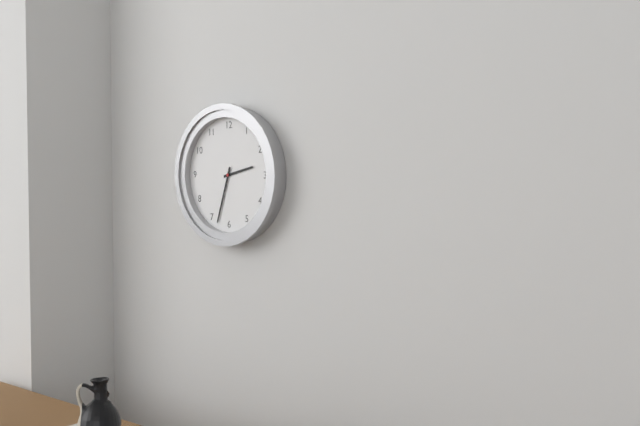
**2:33**
